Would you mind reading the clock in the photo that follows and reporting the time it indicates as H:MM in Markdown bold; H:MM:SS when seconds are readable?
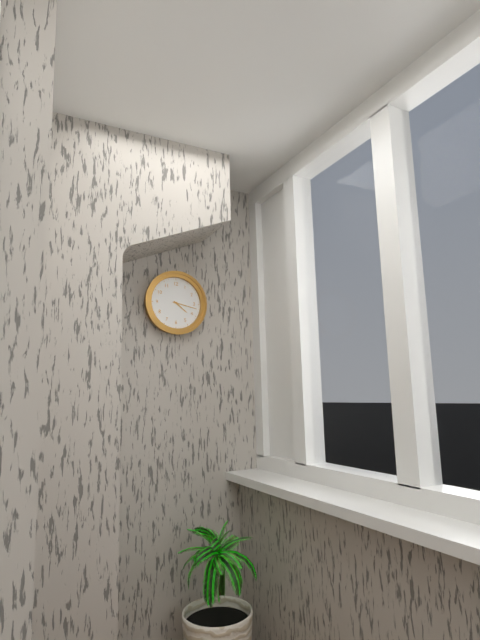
**4:17**
